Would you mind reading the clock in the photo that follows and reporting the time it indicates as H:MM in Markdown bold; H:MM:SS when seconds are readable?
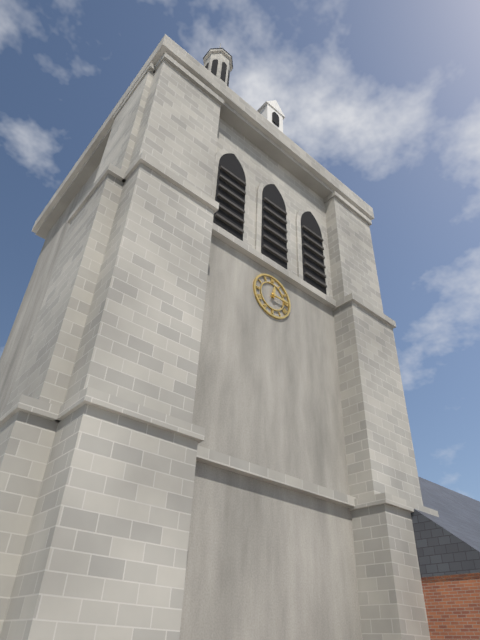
**12:15**
